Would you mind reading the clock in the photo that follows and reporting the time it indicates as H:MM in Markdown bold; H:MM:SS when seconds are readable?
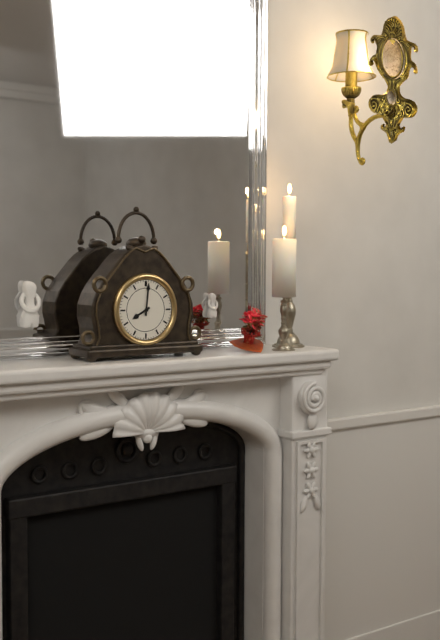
**8:01**
